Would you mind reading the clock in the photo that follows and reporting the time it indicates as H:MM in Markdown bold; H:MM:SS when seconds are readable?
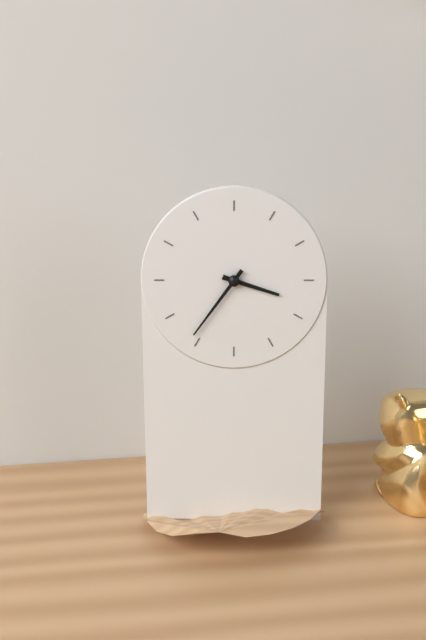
**3:36**
